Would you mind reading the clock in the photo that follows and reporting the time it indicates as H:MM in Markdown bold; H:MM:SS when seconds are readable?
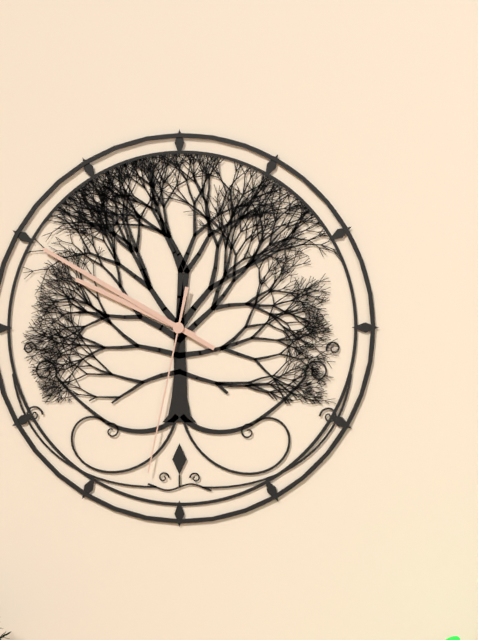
**9:50:32**
